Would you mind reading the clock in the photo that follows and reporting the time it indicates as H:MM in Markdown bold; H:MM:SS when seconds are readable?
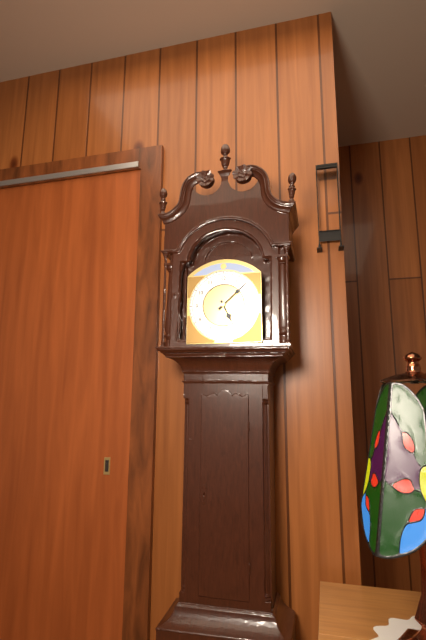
**5:08**
